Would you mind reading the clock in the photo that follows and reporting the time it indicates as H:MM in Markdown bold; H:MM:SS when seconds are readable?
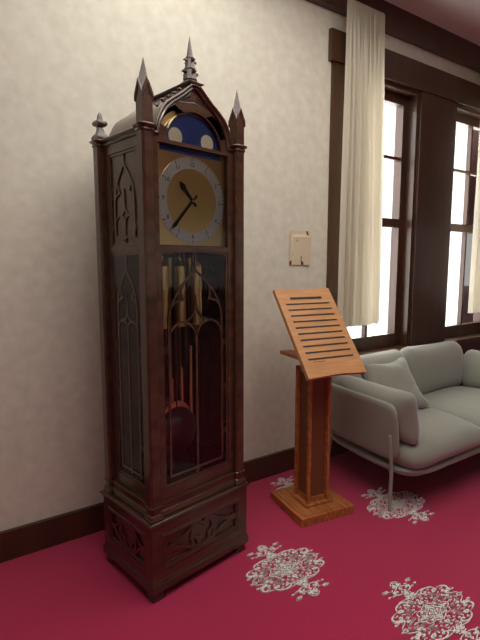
**10:37**
